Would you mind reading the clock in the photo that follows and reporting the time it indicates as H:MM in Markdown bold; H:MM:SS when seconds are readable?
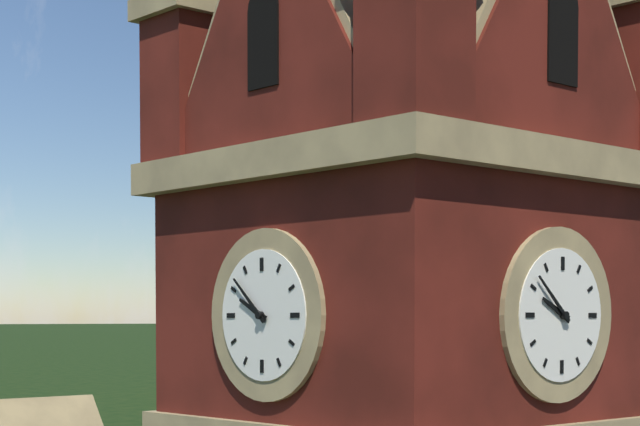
**9:52**
